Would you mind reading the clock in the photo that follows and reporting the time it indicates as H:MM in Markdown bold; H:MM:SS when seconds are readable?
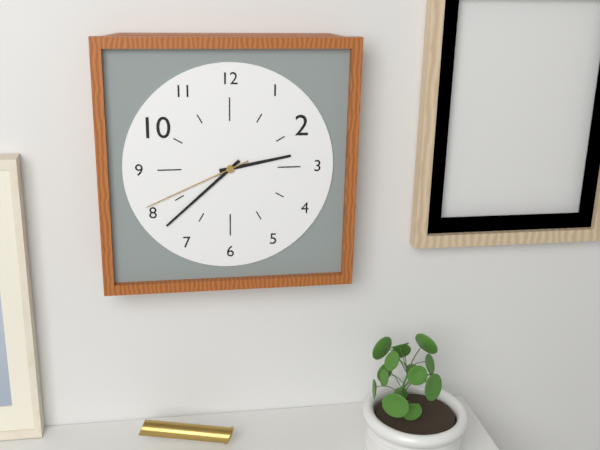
**2:38:41**
